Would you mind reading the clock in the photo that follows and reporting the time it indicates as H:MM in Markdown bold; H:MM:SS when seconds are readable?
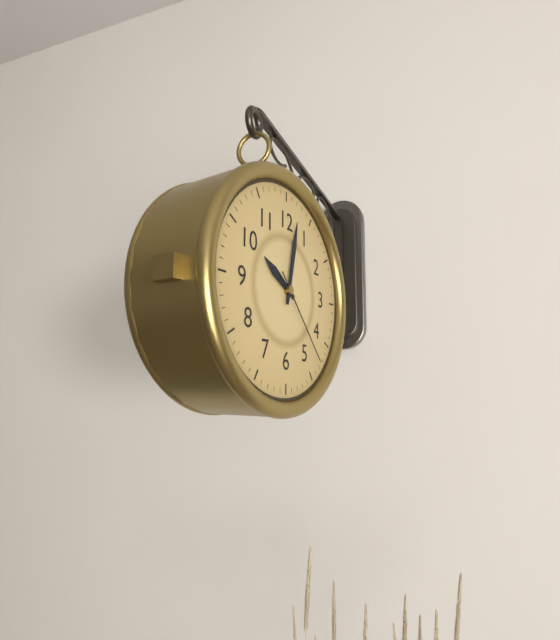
**10:02:23**
